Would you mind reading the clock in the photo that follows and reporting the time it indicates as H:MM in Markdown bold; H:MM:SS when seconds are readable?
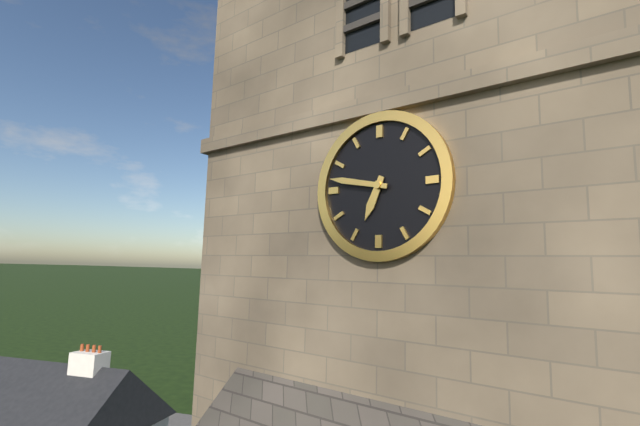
**6:47**
